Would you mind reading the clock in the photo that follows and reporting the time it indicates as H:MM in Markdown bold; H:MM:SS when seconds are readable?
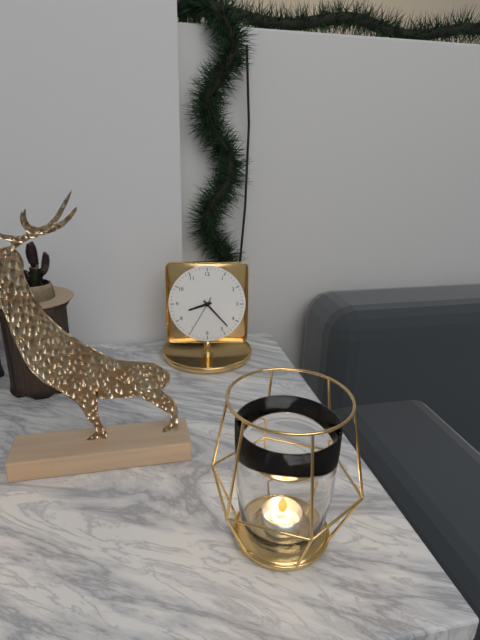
**8:23**
